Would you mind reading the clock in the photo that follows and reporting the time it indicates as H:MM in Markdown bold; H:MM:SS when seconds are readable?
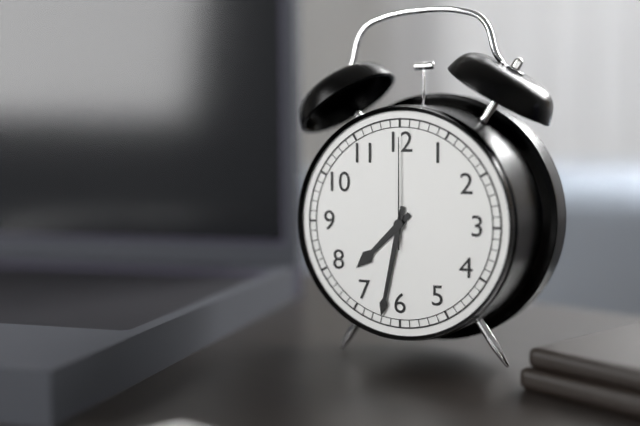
**7:32:00**
